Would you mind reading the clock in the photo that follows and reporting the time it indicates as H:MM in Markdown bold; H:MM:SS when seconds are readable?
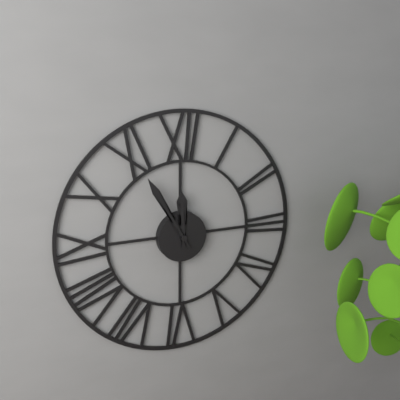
**11:55**
